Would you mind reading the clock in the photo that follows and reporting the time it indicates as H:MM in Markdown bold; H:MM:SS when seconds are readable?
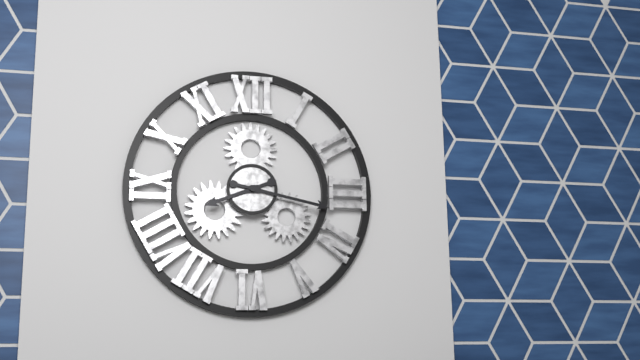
**8:17**
